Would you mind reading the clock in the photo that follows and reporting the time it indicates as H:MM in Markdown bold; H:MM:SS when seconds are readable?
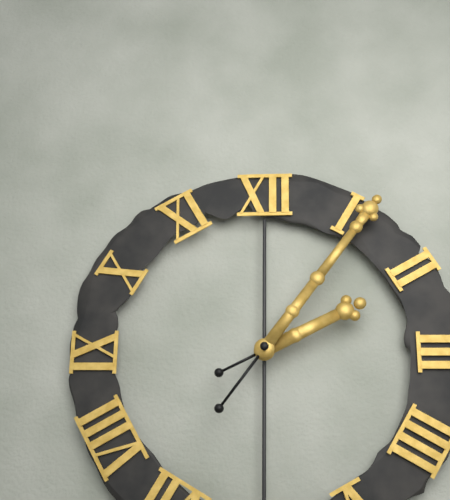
**2:06**
